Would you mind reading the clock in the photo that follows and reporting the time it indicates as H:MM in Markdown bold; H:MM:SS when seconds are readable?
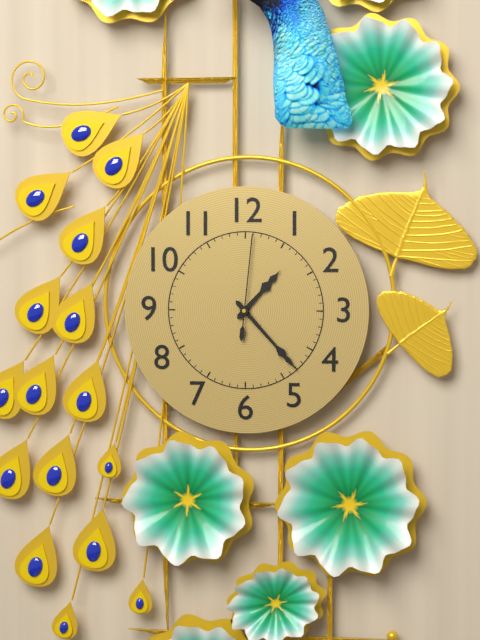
**1:23:01**
